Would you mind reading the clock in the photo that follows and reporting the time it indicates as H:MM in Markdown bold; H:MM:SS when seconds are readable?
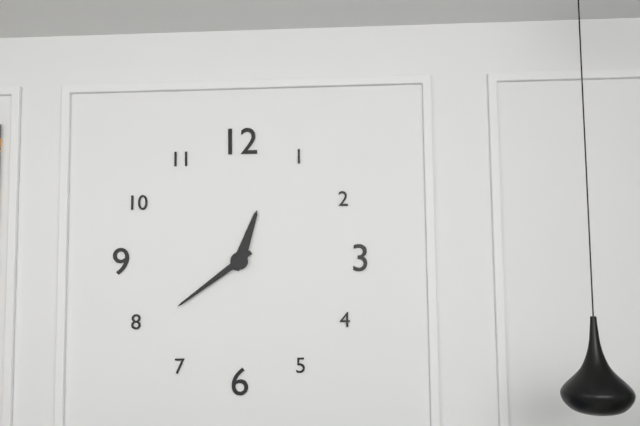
**12:39**
